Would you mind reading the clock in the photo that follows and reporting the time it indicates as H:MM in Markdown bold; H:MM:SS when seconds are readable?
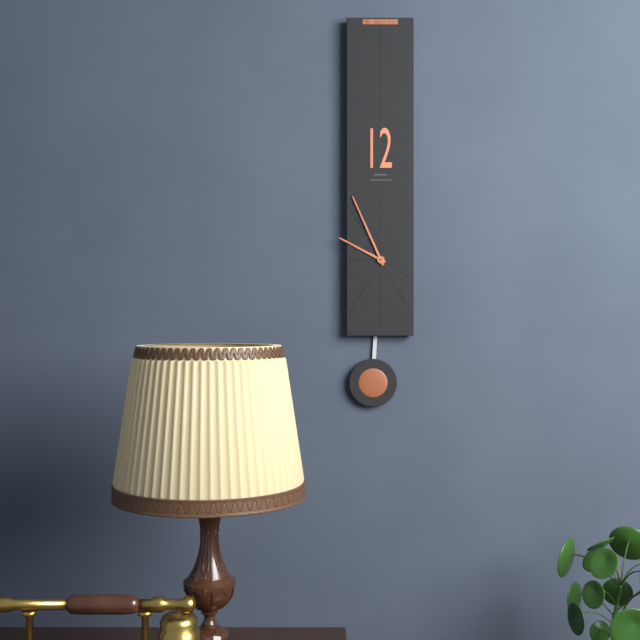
**9:56**
